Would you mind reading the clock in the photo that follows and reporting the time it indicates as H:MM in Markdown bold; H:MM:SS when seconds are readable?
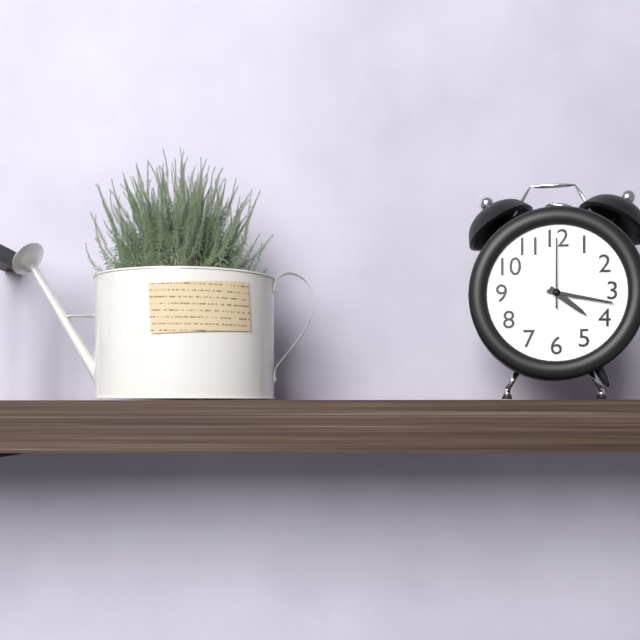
**4:17:00**
